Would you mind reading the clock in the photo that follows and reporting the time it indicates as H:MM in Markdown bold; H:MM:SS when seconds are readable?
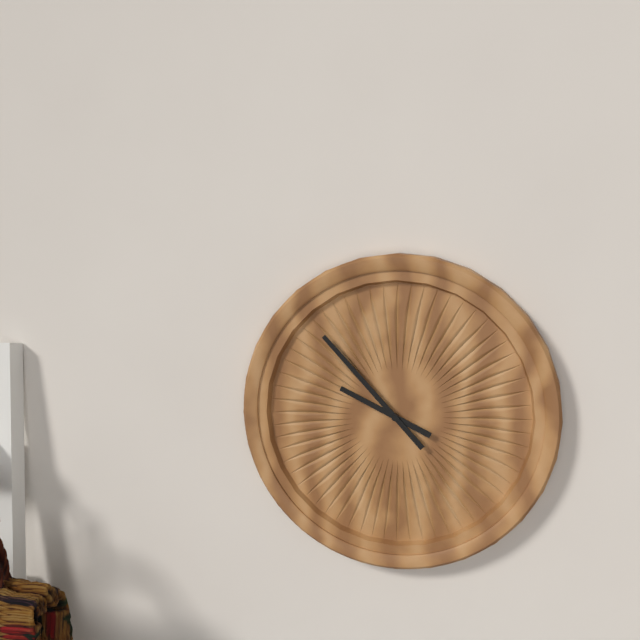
**9:53**
